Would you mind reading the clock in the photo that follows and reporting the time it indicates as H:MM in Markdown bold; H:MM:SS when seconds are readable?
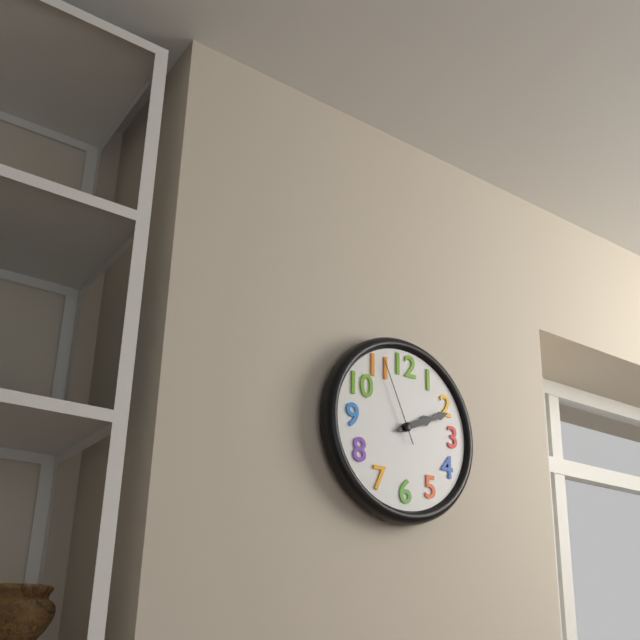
**2:11:56**
